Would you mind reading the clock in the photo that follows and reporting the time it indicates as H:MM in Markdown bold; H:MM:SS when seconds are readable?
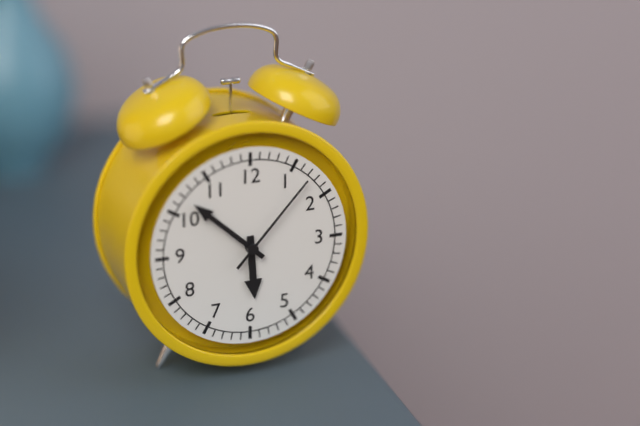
**5:52:07**
